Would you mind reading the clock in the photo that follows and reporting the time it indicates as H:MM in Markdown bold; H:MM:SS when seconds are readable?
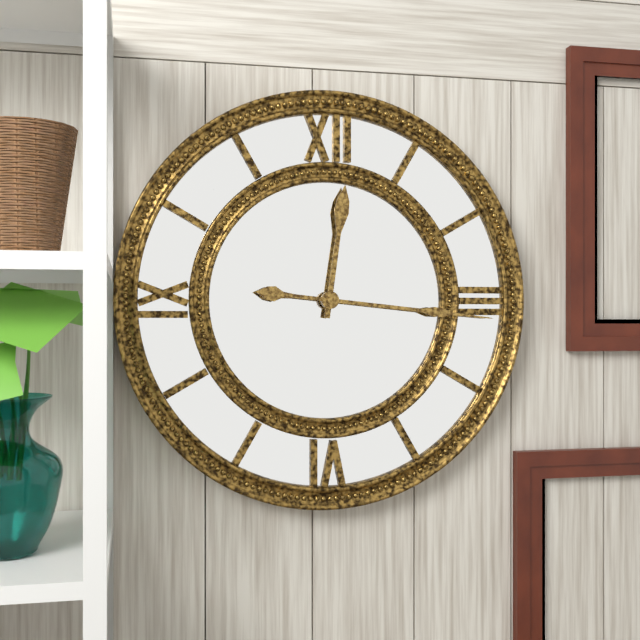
**12:16**
